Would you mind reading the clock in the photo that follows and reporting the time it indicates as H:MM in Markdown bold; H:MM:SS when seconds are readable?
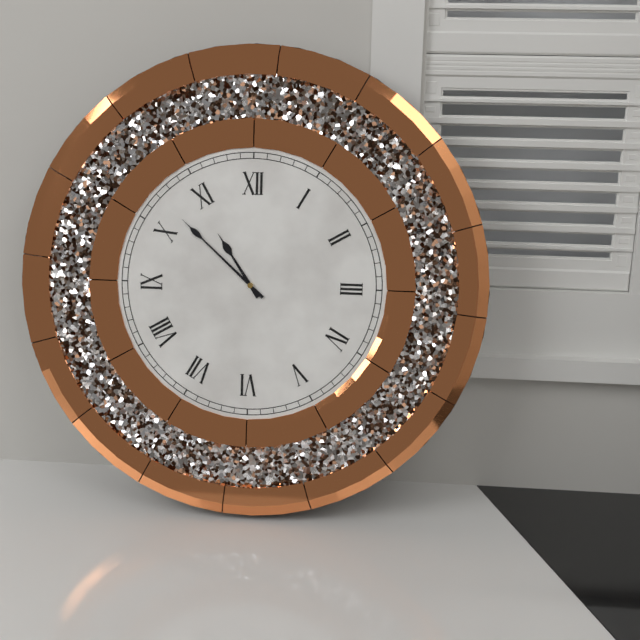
**10:52**
